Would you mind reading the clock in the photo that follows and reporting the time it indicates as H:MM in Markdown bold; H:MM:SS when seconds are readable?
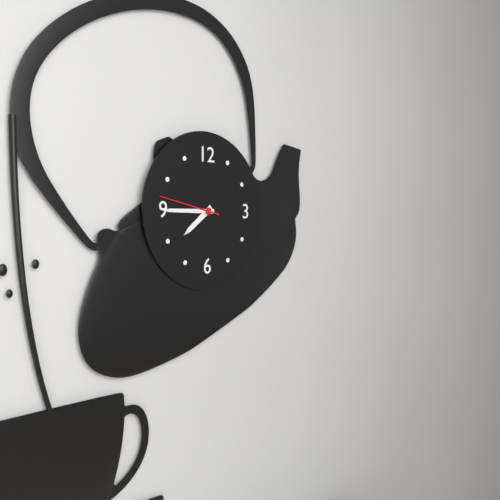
**7:45:47**
